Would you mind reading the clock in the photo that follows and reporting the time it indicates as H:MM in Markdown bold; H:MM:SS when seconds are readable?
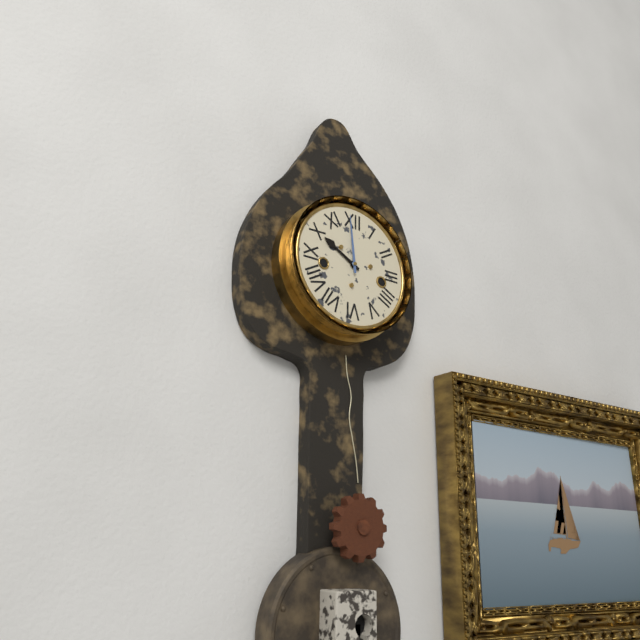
**9:59**
